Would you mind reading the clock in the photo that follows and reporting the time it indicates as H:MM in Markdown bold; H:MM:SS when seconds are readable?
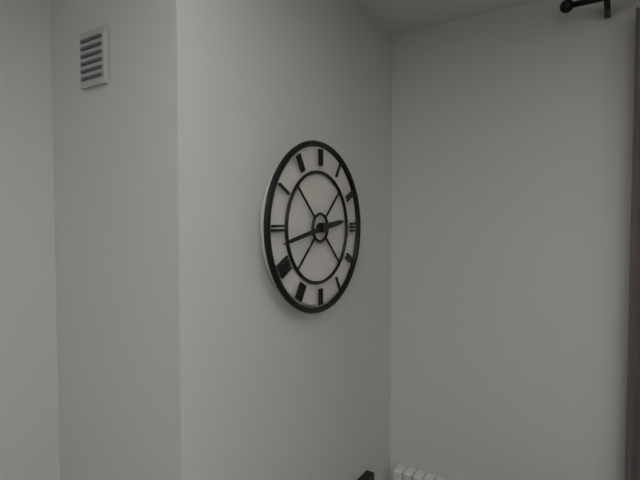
**2:43**
